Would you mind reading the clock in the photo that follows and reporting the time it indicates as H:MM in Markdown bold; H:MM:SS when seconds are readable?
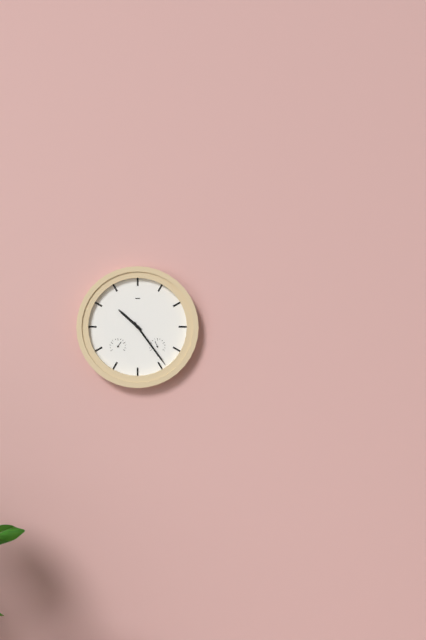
**10:24**
